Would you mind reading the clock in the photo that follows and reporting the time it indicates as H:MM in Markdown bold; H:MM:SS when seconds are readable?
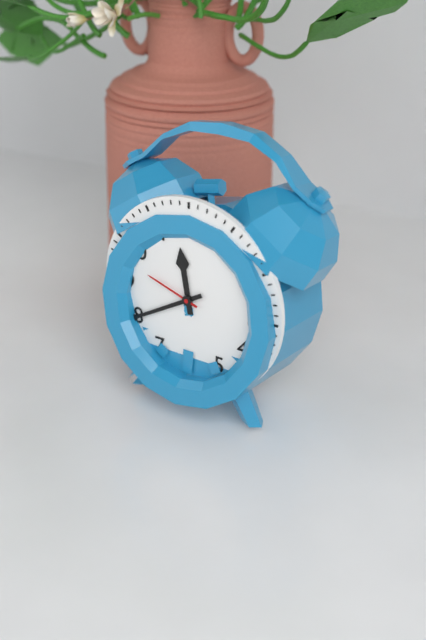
**11:40:48**
